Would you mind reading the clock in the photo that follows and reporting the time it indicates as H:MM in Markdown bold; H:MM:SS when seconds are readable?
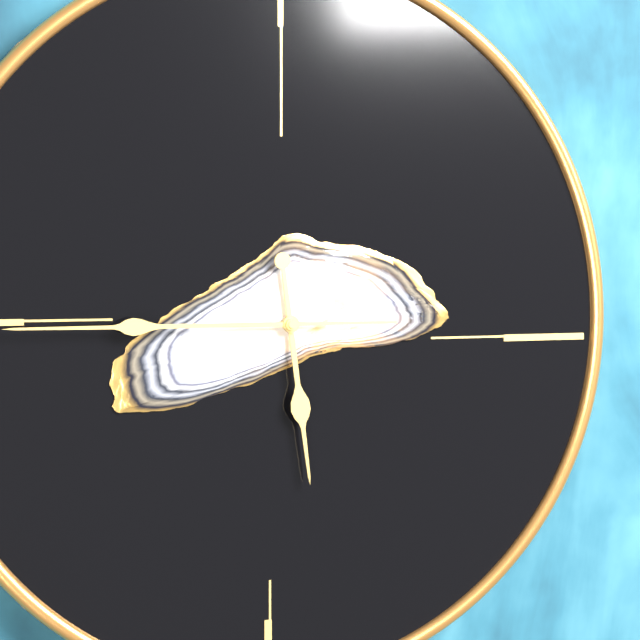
**5:45**
